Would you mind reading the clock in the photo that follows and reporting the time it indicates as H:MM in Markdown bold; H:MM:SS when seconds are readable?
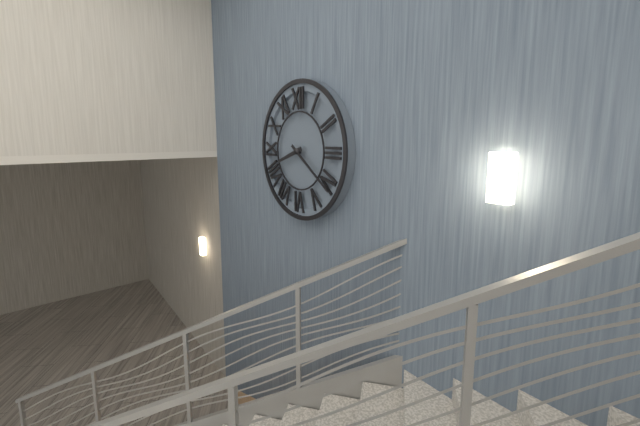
**8:21**
